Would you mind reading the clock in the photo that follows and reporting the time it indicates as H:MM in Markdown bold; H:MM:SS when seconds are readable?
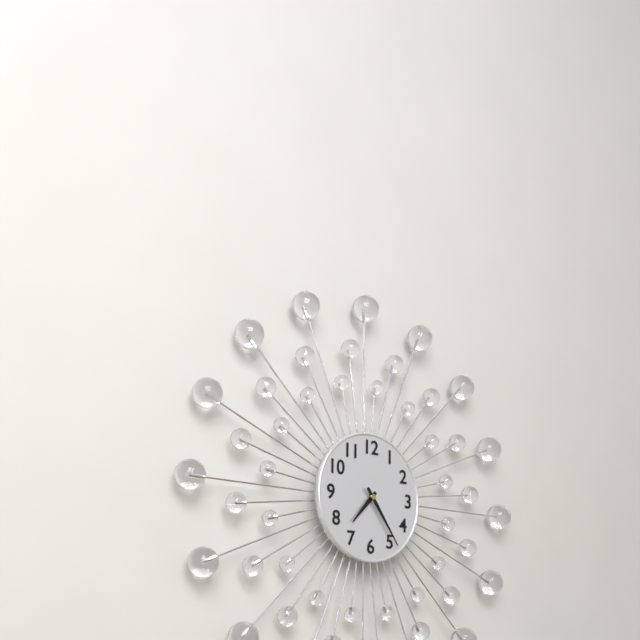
**7:24**
